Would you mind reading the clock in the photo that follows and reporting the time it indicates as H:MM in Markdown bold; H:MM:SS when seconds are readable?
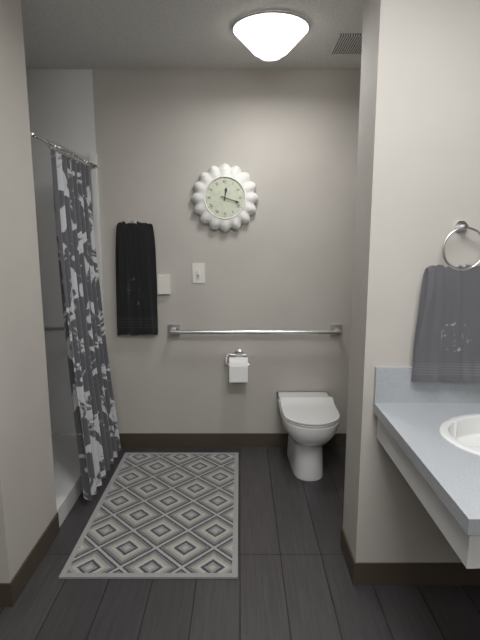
**12:18**
